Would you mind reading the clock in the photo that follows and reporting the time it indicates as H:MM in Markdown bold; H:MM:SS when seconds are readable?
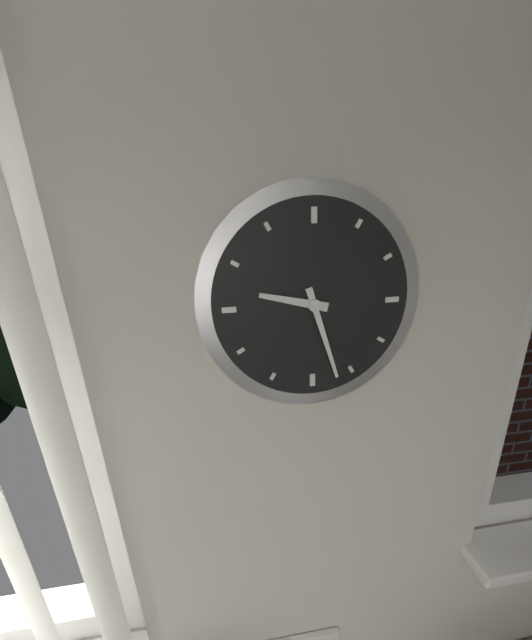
**9:27**
